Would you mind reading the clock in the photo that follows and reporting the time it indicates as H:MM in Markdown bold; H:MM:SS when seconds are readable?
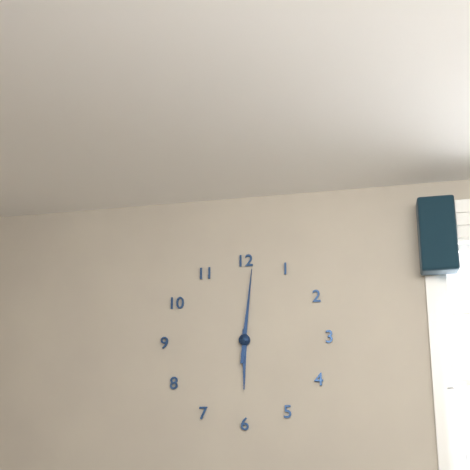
**6:01**
